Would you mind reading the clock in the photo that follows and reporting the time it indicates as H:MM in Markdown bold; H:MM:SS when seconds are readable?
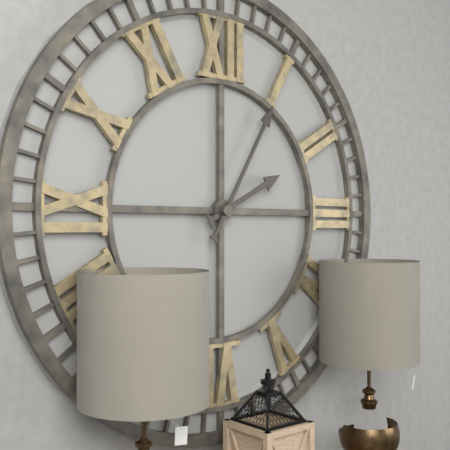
**2:05**
